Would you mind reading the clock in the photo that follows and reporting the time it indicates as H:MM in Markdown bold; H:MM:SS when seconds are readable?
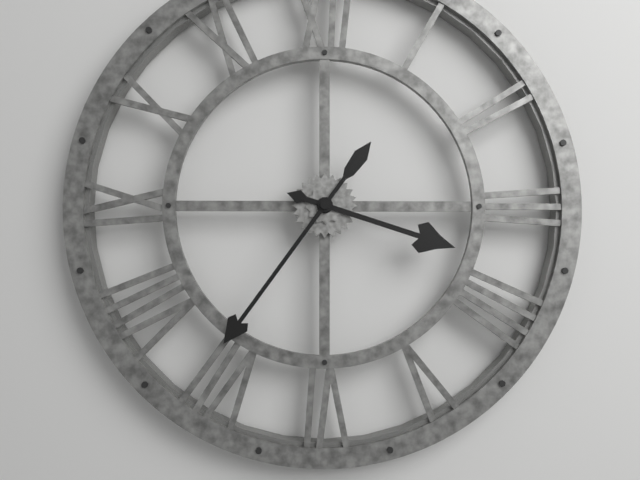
**3:36**
